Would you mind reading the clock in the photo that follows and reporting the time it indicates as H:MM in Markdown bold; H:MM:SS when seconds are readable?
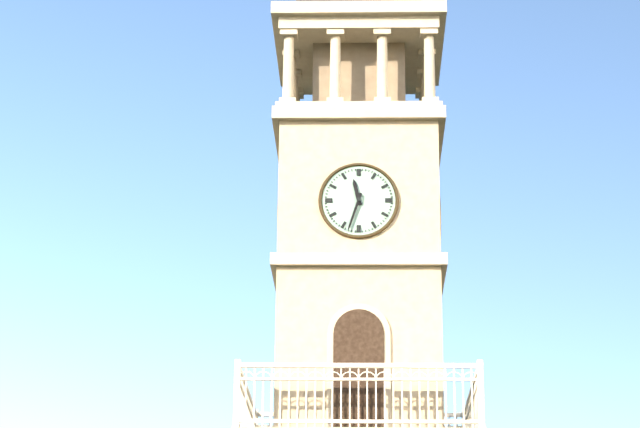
**11:33**
